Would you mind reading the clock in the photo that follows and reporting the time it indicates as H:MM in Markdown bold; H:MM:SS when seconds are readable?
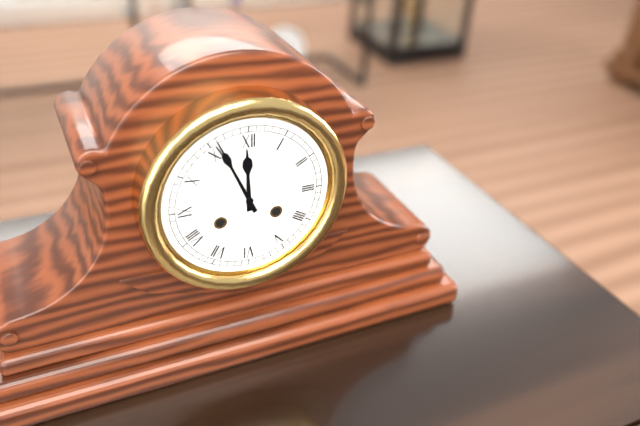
**11:56**
